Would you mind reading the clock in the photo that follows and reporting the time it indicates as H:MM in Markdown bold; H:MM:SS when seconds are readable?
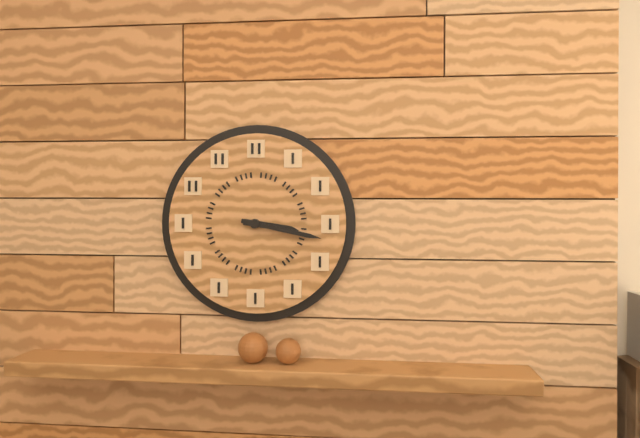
**3:17**
